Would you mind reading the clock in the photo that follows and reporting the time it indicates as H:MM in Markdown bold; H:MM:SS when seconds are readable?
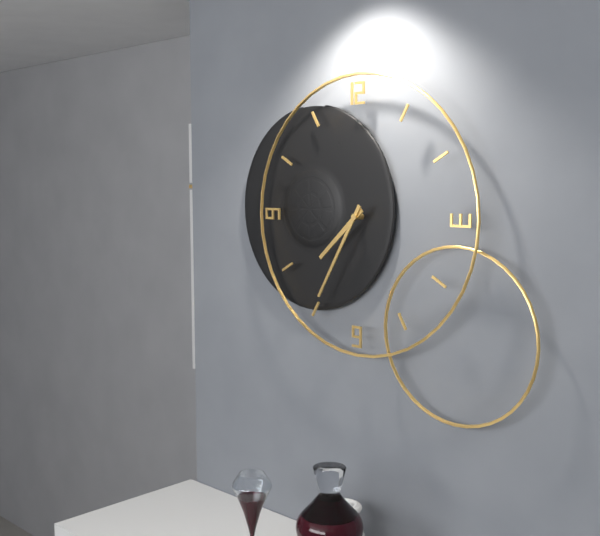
**7:35**
